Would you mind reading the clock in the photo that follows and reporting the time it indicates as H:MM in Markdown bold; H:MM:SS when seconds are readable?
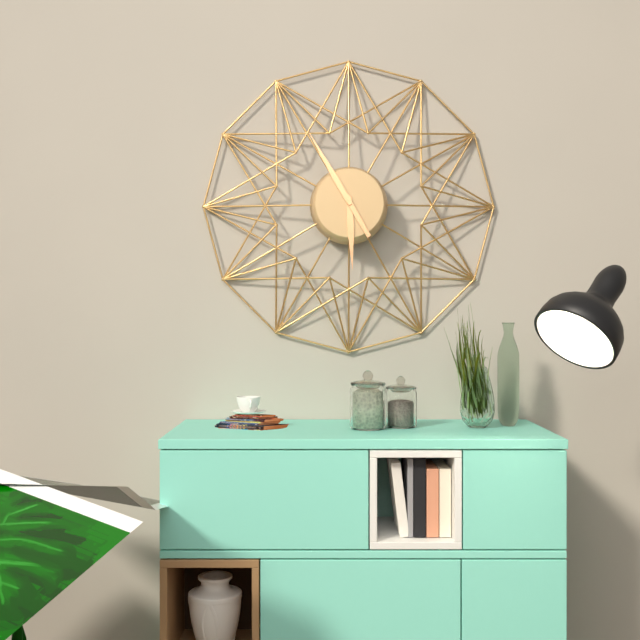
**5:55**
